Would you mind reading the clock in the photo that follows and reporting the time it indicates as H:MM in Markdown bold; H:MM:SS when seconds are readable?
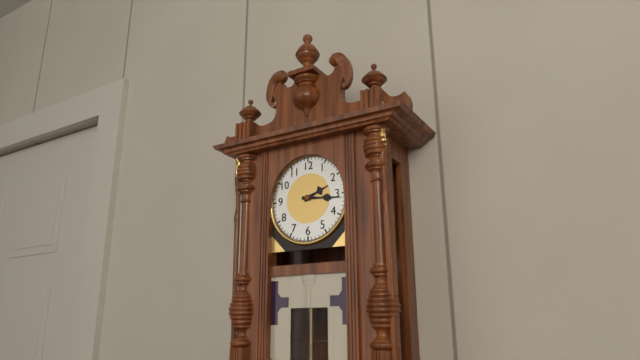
**2:16**
